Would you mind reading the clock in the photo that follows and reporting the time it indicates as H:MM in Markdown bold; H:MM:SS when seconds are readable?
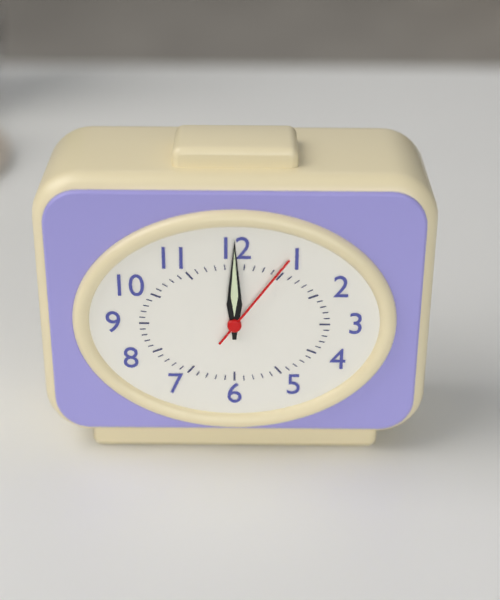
**12:00:06**
